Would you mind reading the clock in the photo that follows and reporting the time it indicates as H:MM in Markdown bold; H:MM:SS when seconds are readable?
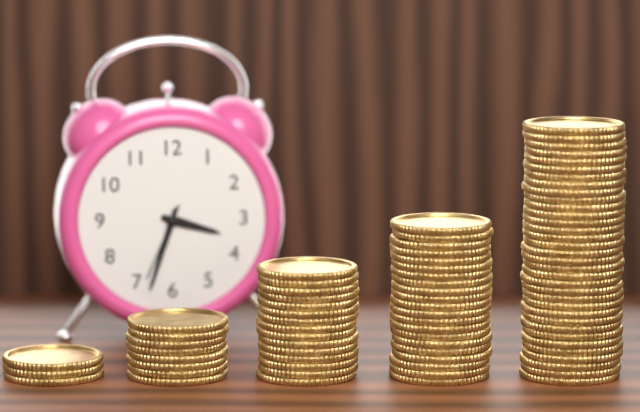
**3:33:34**
